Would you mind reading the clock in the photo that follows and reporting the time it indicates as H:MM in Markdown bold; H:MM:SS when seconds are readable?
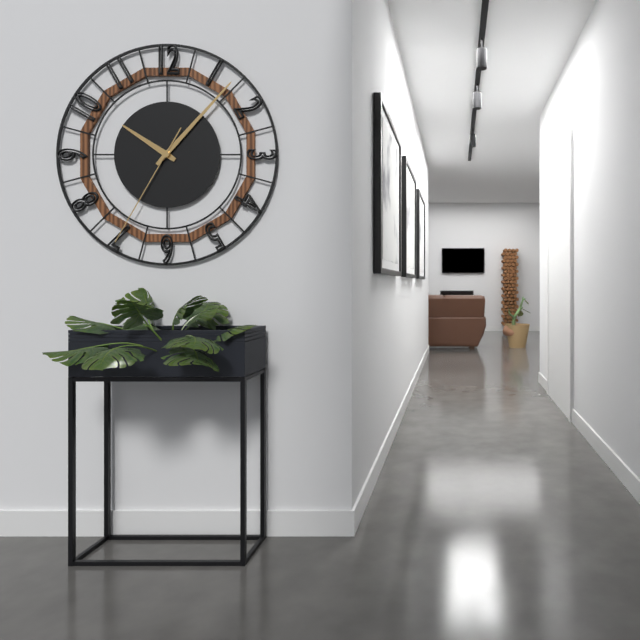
**10:07:35**
